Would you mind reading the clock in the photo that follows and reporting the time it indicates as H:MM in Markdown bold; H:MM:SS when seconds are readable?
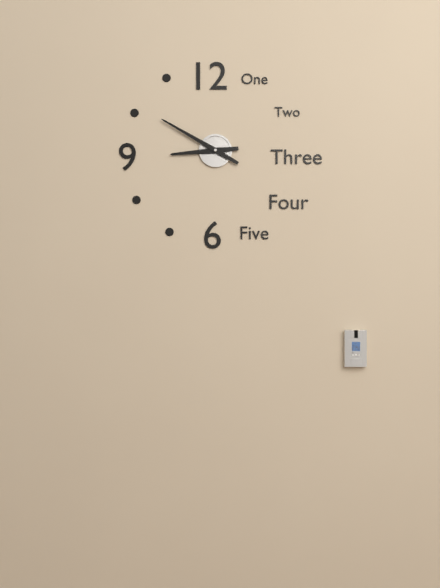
**8:50**
